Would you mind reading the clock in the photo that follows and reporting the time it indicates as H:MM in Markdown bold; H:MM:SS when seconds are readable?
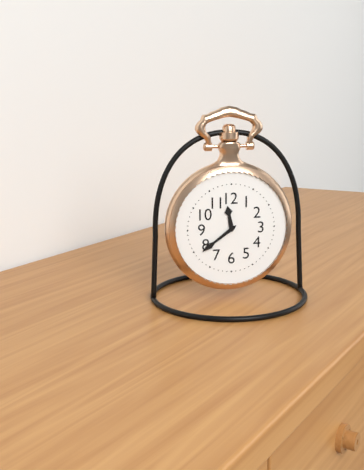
**11:39**
